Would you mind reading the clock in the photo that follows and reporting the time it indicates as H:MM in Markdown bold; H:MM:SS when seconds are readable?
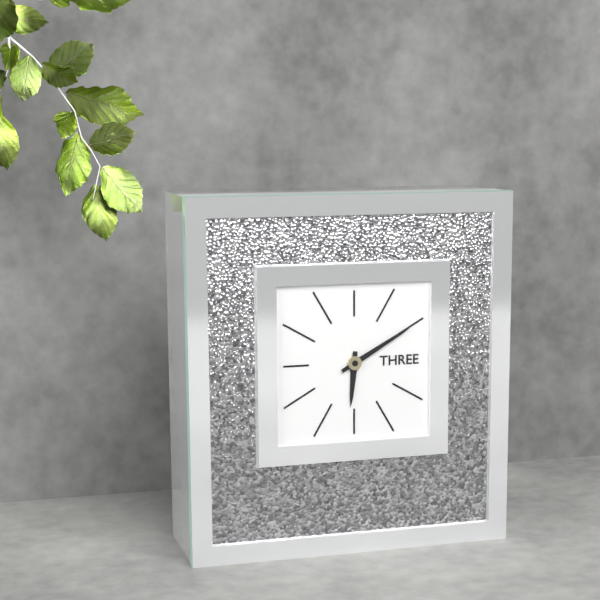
**6:10**
